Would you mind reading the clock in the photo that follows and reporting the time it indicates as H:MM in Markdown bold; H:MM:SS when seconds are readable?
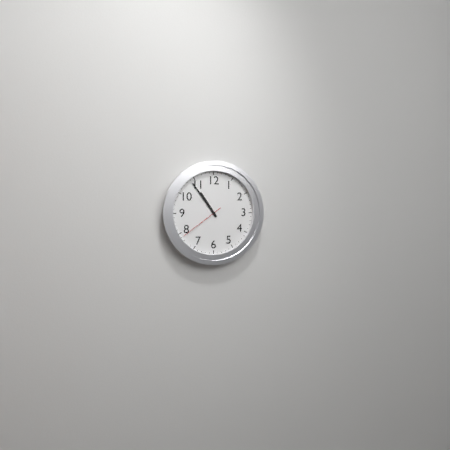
**10:54**
